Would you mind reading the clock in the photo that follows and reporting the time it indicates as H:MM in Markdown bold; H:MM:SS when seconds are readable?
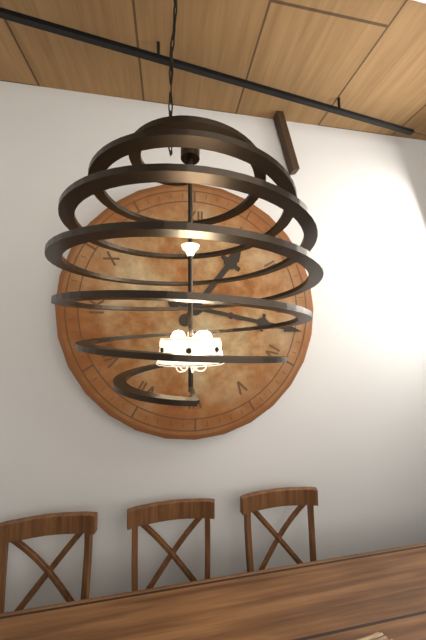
**1:17**
